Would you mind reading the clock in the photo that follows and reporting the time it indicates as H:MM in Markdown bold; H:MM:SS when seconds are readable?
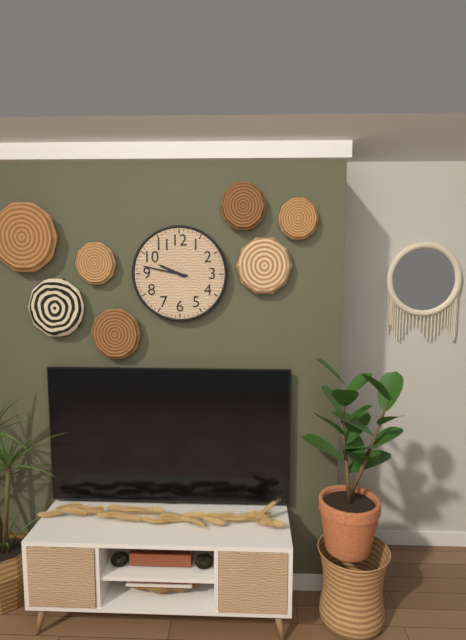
**9:47**
